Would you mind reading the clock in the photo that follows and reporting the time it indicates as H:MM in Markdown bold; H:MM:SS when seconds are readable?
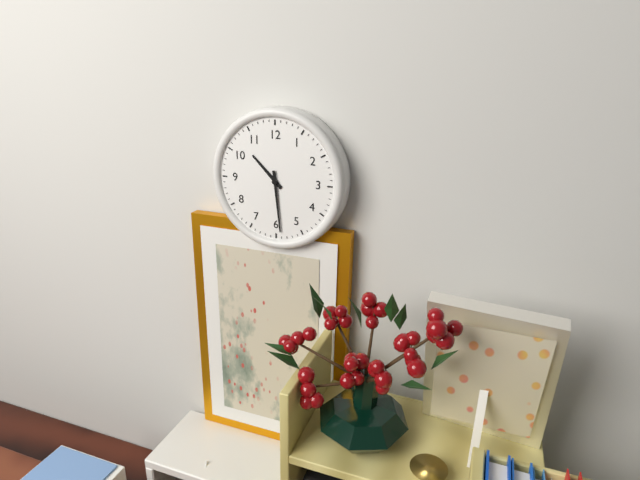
**10:29**
